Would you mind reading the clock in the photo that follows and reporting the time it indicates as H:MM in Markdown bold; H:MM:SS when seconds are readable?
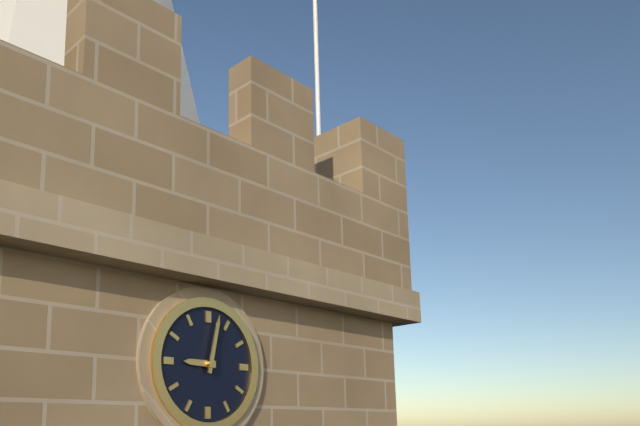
**9:02**
